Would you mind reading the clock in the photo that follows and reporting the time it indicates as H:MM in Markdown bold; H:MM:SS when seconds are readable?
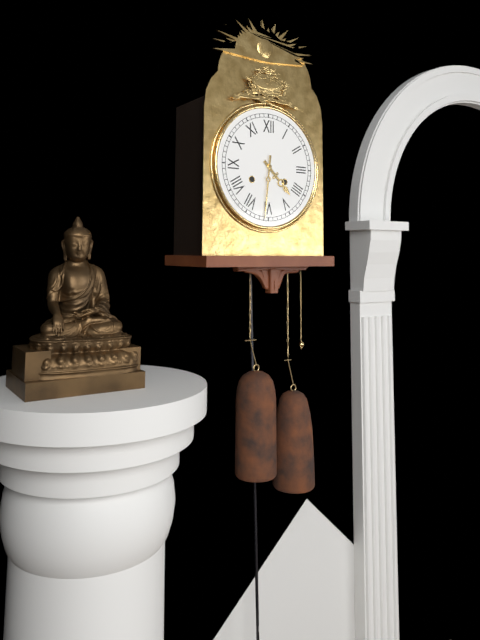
**4:31**
